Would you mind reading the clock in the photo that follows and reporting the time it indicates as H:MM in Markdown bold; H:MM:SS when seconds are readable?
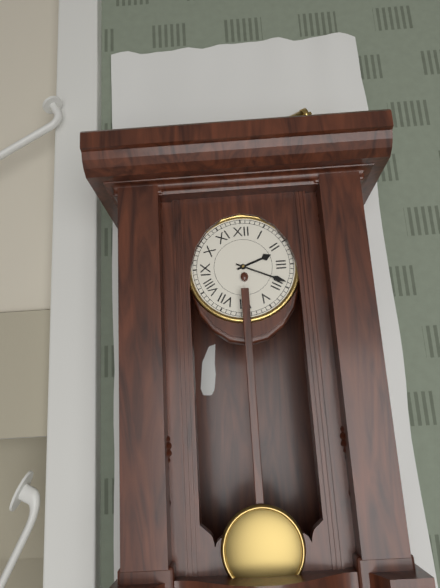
**2:19**
